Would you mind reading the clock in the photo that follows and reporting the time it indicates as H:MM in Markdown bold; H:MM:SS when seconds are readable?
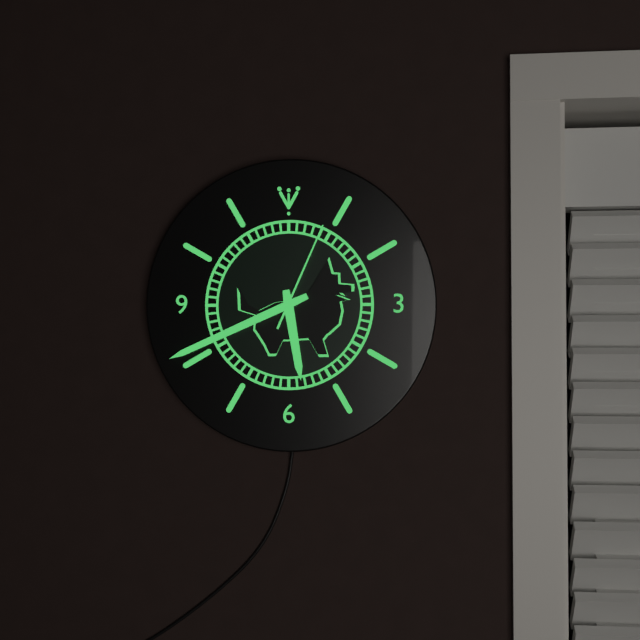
**5:41:04**
